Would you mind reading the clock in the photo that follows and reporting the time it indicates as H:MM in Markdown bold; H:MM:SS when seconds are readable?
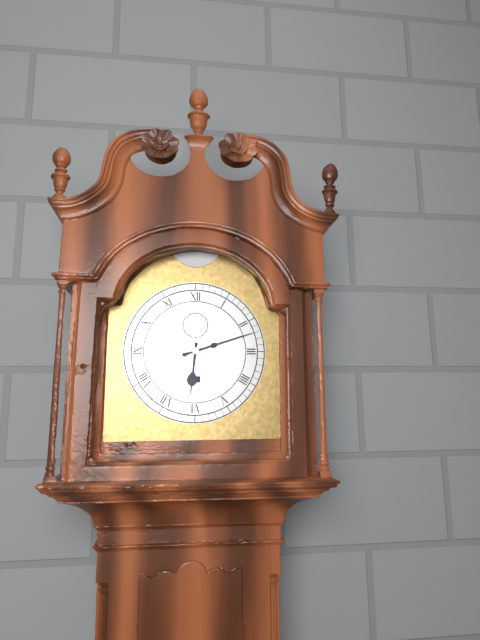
**6:12**
